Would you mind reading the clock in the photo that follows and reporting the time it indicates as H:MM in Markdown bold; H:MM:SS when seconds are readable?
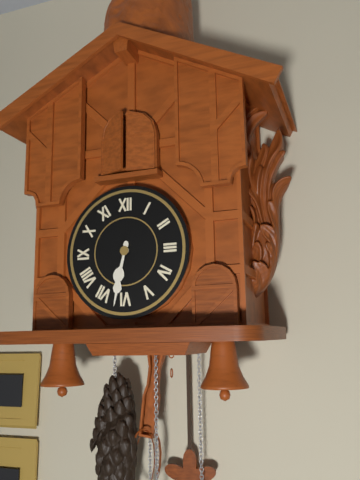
**6:32**
